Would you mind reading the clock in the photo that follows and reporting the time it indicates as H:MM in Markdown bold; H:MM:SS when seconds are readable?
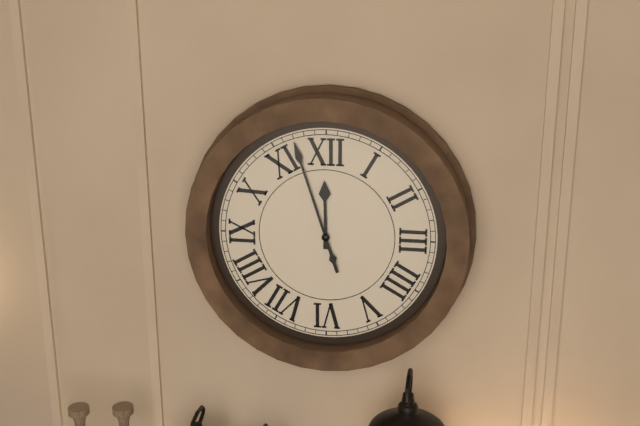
**11:57**
